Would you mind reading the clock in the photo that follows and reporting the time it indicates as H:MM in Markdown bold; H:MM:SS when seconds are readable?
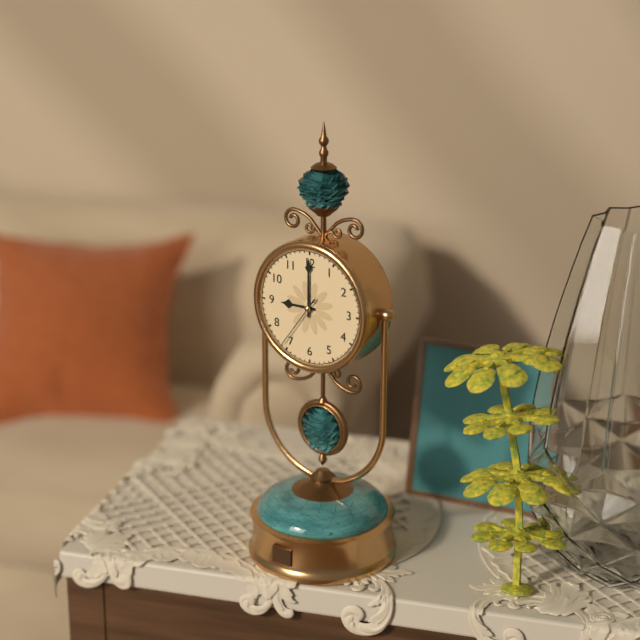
**9:00:36**
